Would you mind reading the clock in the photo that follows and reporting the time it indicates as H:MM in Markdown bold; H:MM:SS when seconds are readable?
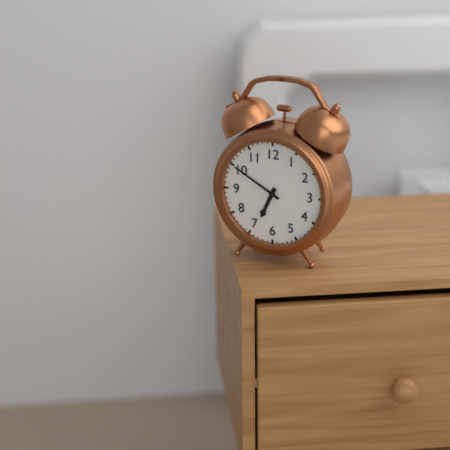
**6:50**
